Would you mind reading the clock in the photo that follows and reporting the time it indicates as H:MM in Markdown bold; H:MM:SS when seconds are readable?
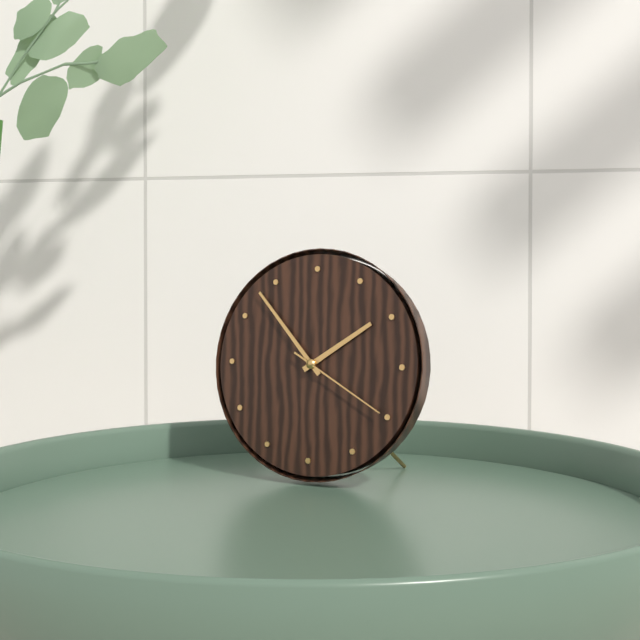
**1:53:20**
